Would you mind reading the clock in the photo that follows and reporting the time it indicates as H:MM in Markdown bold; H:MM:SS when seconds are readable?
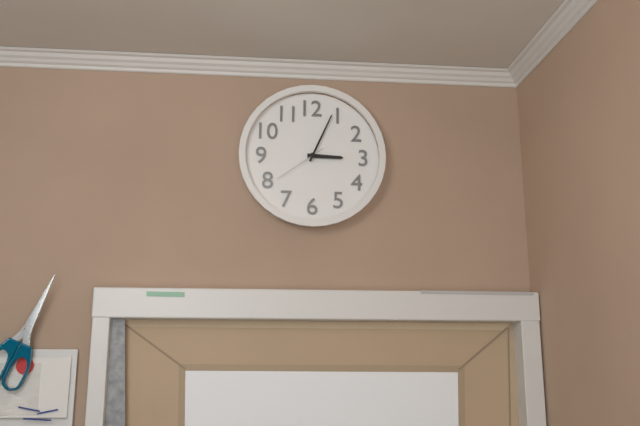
**3:04:39**
